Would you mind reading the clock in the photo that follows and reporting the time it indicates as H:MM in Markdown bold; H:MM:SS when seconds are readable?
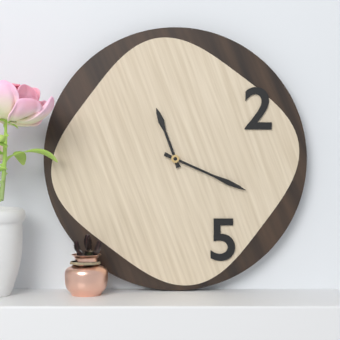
**11:19**
